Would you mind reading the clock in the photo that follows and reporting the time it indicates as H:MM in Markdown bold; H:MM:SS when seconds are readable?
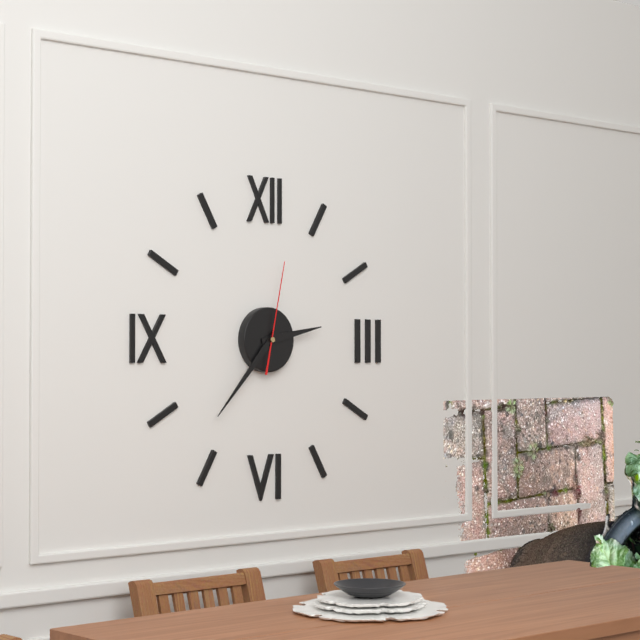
**2:37:02**
